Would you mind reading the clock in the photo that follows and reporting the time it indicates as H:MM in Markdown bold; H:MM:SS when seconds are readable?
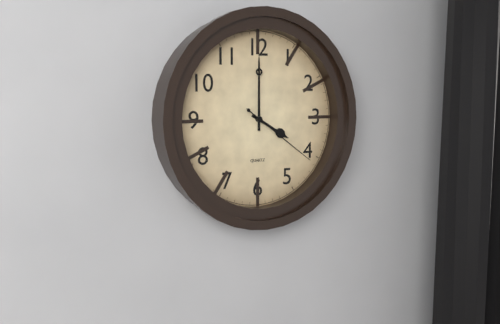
**4:00:21**
